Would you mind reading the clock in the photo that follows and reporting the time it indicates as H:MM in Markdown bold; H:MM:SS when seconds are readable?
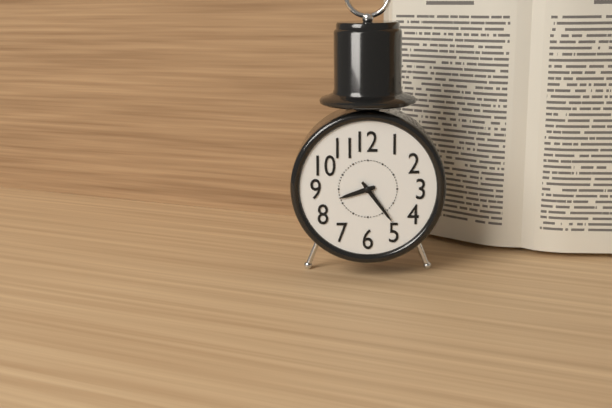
**8:24**
